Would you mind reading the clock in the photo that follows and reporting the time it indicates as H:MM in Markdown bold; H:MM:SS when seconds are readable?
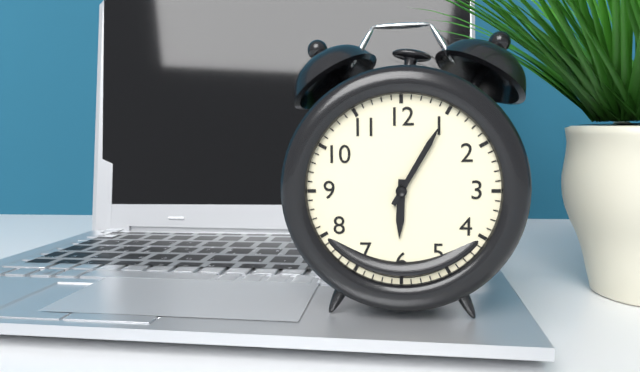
**6:05**
